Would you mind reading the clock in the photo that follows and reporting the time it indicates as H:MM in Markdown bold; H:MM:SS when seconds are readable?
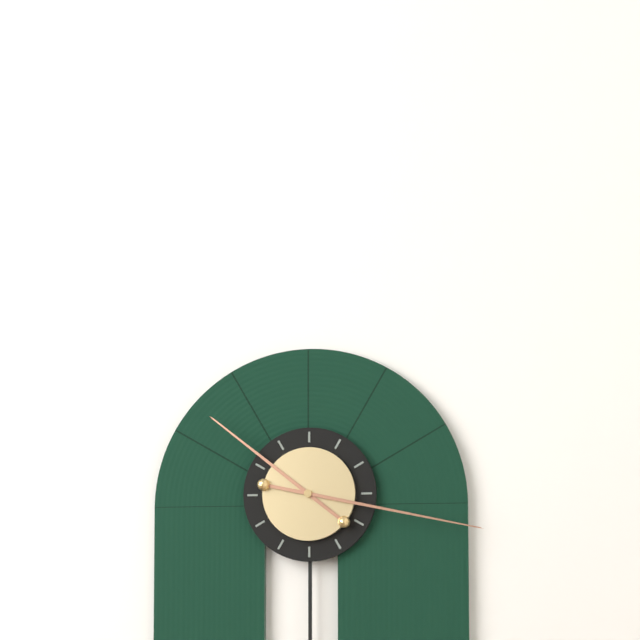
**10:17**
